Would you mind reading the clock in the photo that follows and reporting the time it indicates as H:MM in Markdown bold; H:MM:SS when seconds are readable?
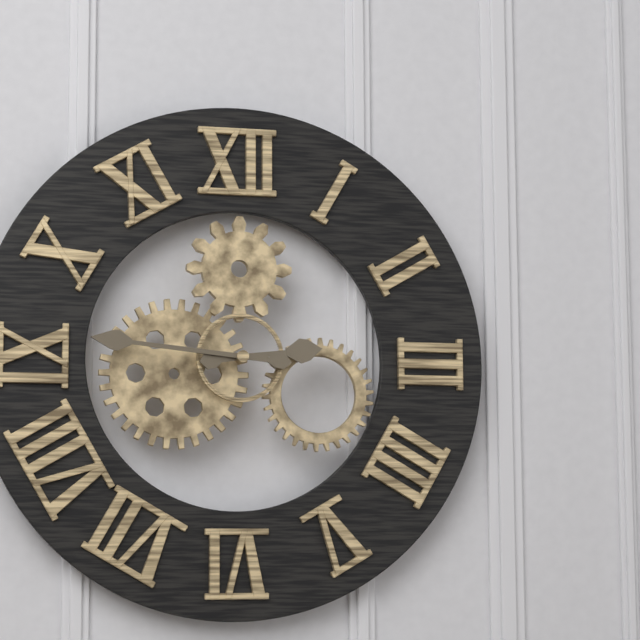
**2:46**
